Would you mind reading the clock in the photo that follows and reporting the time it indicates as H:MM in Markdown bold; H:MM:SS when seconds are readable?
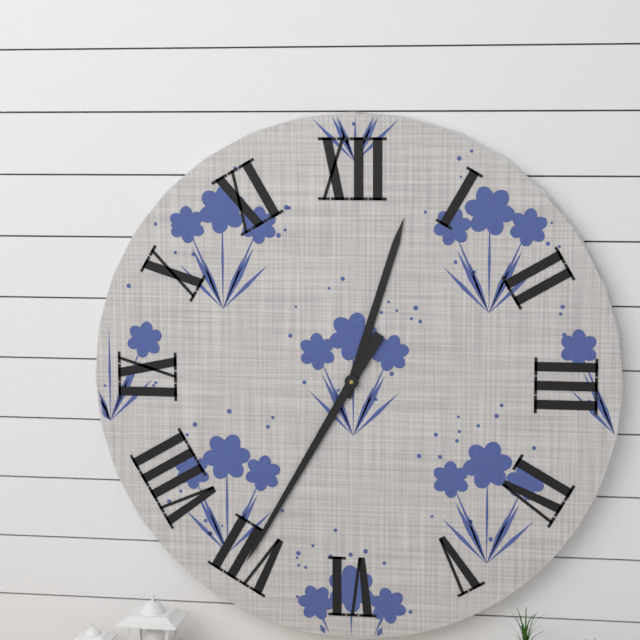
**12:35**
